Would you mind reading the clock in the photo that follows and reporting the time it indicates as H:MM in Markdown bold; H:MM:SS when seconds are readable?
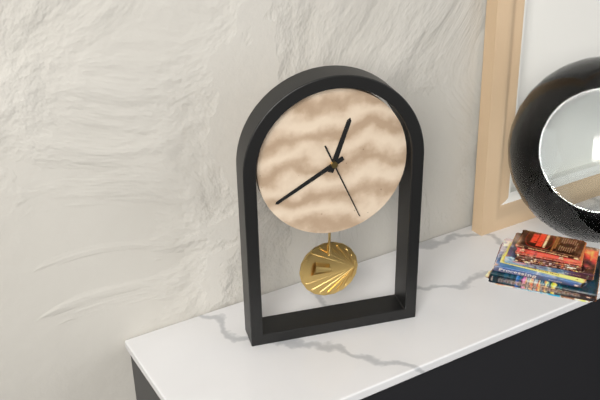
**12:40:26**
